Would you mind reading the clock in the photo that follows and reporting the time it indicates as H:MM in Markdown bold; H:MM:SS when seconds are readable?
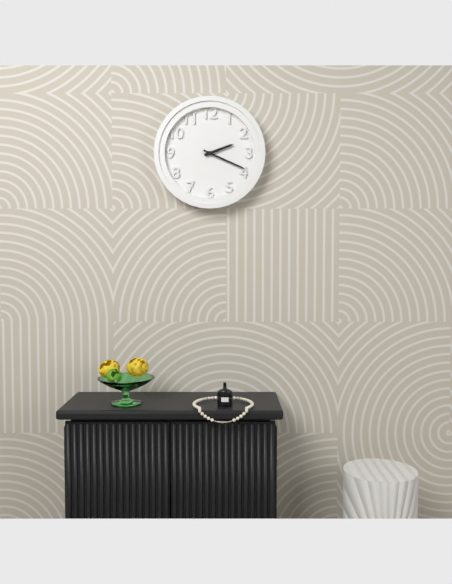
**2:19**
